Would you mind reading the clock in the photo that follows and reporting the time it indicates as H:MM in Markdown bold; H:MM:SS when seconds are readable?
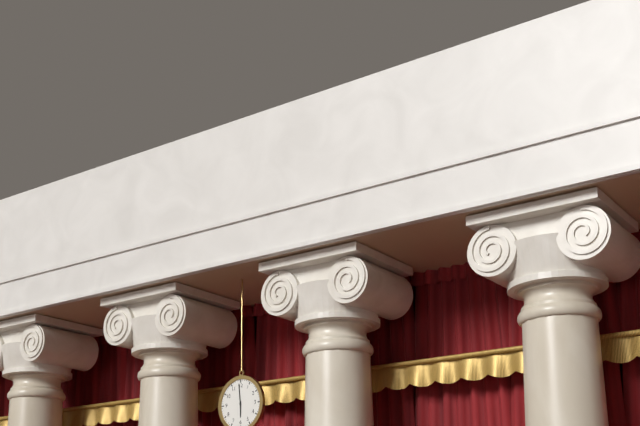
**5:59**
